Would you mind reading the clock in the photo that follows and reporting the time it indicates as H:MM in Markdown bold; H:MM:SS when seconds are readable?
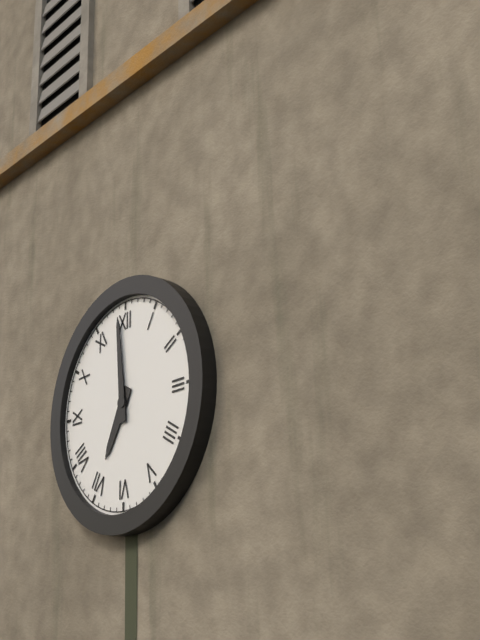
**6:59**
